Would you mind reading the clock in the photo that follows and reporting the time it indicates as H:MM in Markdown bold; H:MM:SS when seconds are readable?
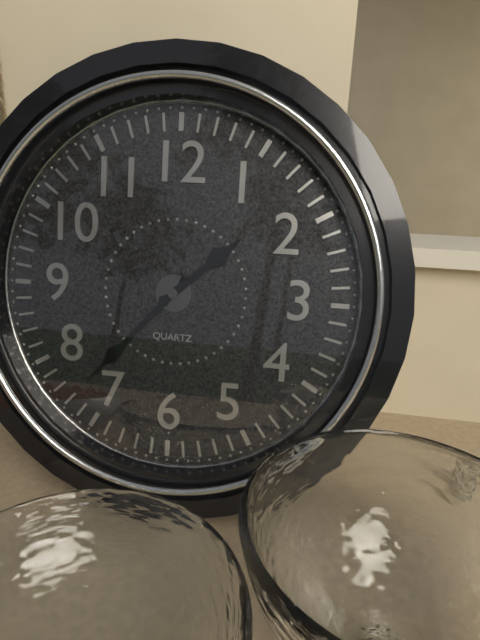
**1:37**
